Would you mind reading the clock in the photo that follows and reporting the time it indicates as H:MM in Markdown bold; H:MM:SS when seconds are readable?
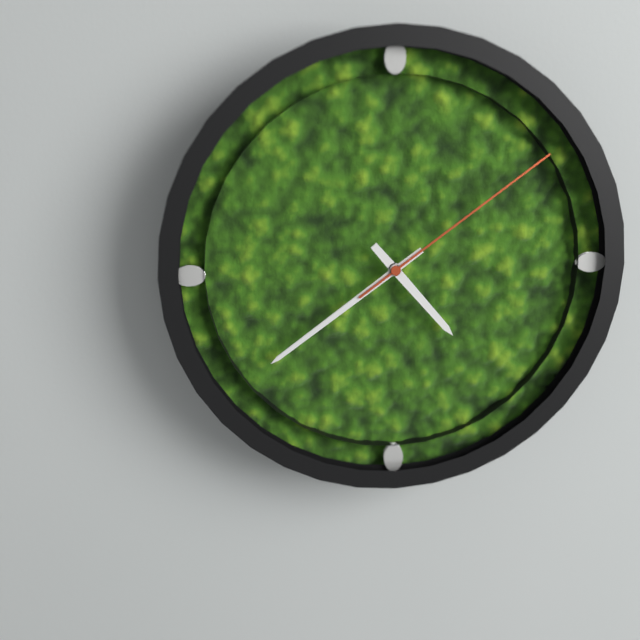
**4:39:09**
